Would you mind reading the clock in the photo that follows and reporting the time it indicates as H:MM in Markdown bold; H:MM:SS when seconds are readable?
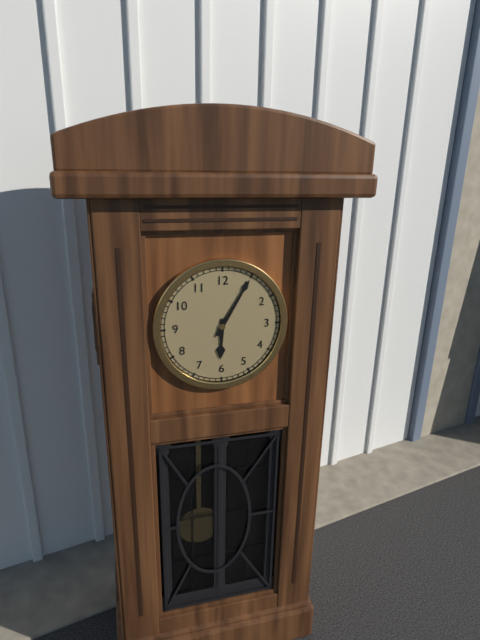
**6:05**
